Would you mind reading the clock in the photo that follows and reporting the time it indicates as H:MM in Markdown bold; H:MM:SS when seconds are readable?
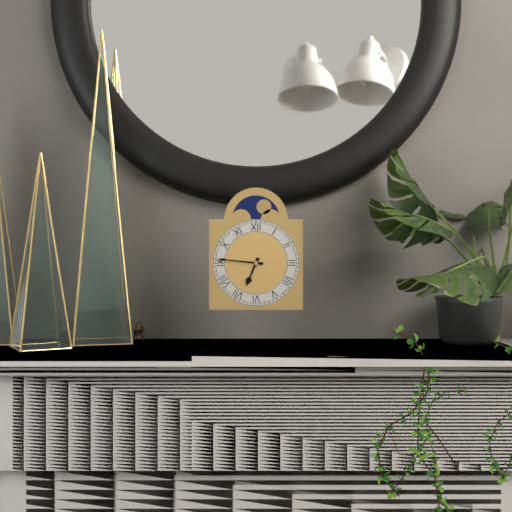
**6:46**
